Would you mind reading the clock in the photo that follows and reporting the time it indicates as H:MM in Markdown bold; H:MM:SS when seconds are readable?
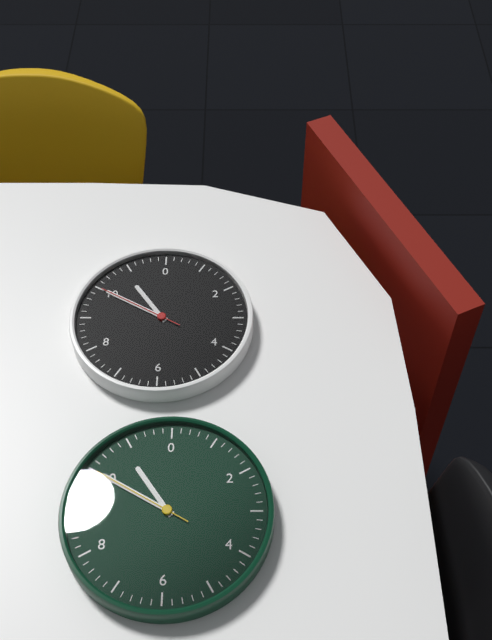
**10:50:50**
